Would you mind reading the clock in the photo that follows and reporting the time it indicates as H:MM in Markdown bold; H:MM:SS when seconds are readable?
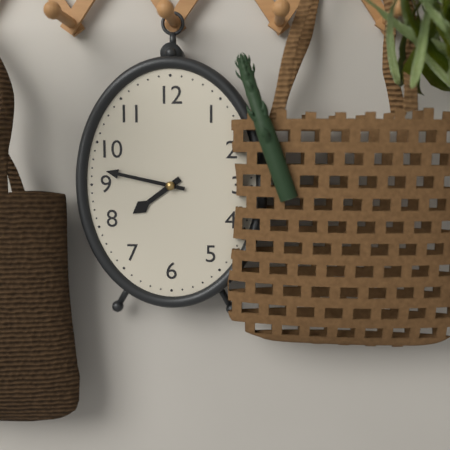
**7:47**
